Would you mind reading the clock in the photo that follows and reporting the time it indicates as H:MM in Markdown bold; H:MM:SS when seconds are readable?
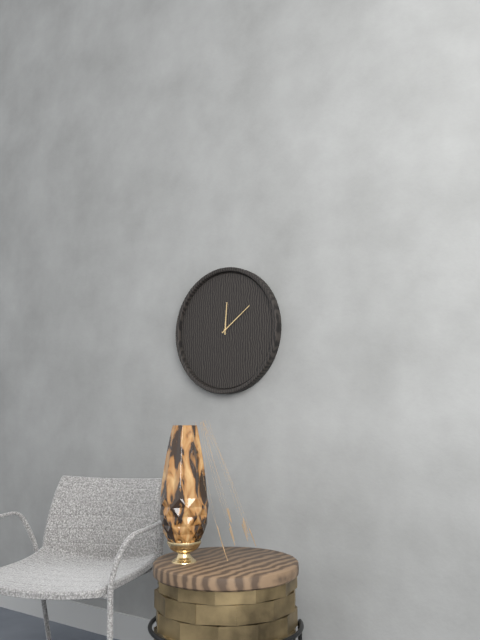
**12:09**
